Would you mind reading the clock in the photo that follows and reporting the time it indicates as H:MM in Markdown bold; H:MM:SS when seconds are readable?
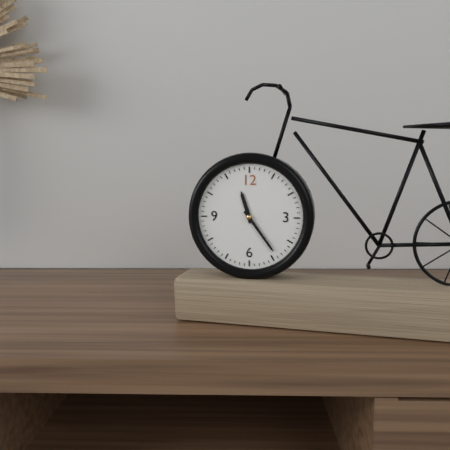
**11:24**
